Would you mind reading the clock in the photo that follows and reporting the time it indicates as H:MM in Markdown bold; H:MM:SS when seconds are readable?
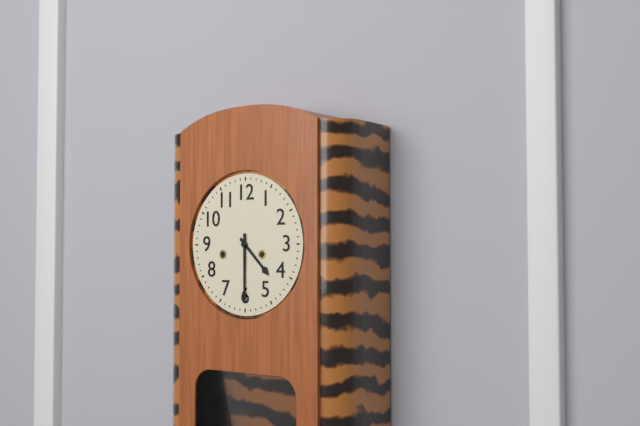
**4:30**
